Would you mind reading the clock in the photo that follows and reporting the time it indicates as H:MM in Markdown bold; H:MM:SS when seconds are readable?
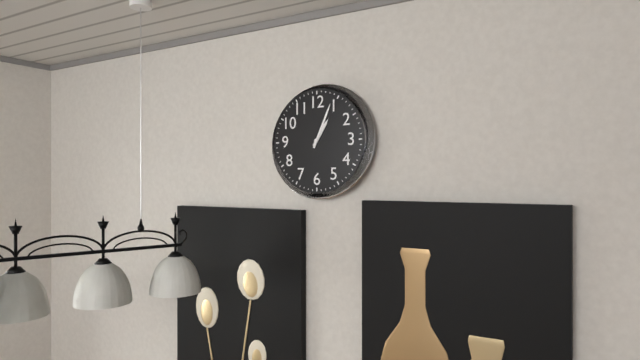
**1:04**
